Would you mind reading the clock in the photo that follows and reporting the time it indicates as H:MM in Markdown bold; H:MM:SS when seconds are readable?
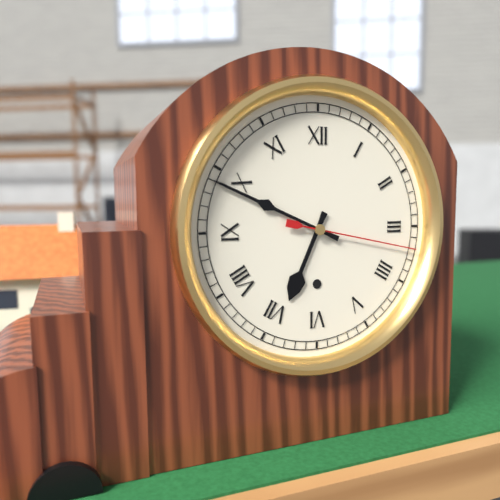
**6:49:17**
